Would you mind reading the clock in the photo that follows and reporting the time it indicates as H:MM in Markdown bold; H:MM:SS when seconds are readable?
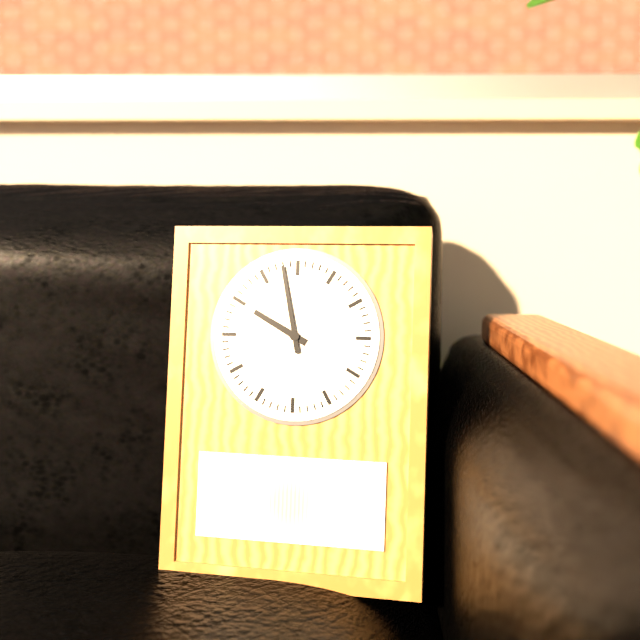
**9:58**
